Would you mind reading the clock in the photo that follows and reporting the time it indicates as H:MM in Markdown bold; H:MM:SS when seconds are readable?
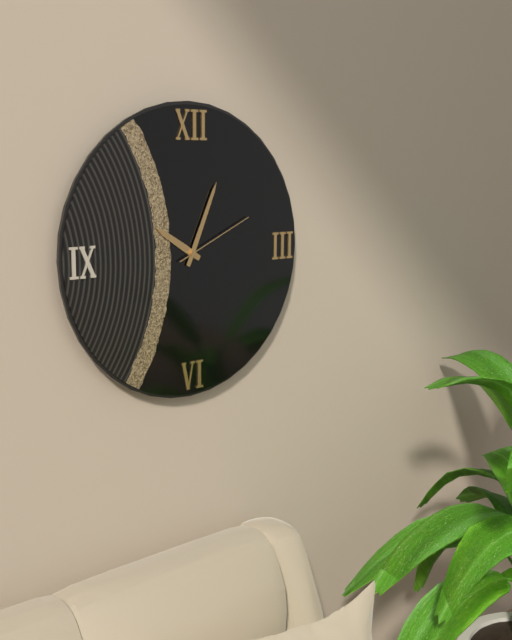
**10:04:11**
